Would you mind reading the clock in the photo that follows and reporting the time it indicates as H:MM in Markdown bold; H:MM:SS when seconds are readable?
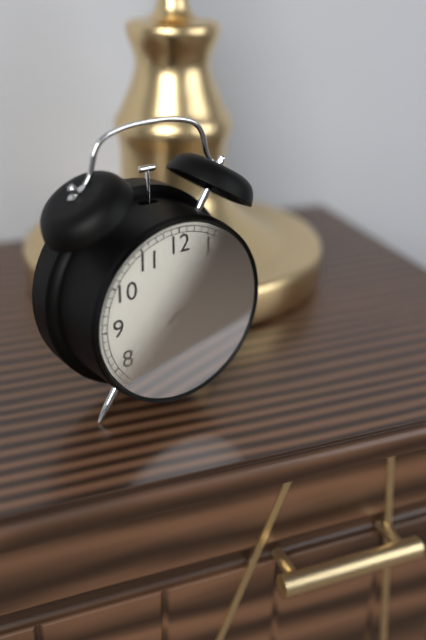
**2:10**
